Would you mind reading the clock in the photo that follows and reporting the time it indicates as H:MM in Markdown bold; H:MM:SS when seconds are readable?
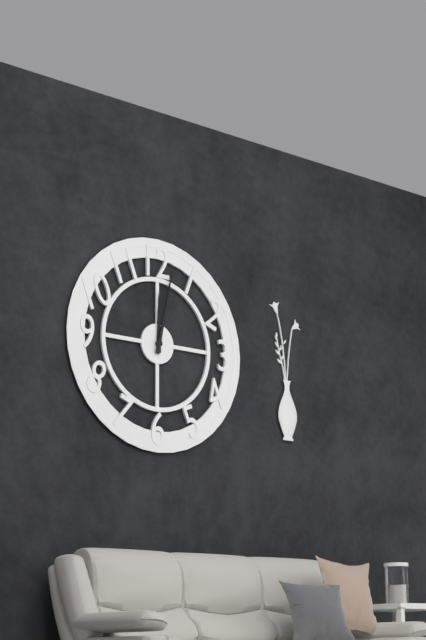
**12:02**
